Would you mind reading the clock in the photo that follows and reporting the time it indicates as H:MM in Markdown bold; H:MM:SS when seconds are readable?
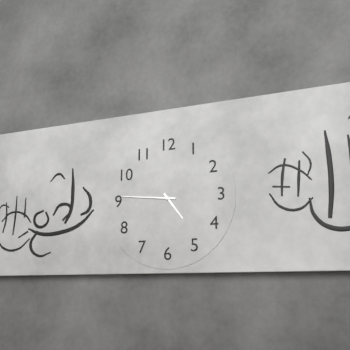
**4:46**
